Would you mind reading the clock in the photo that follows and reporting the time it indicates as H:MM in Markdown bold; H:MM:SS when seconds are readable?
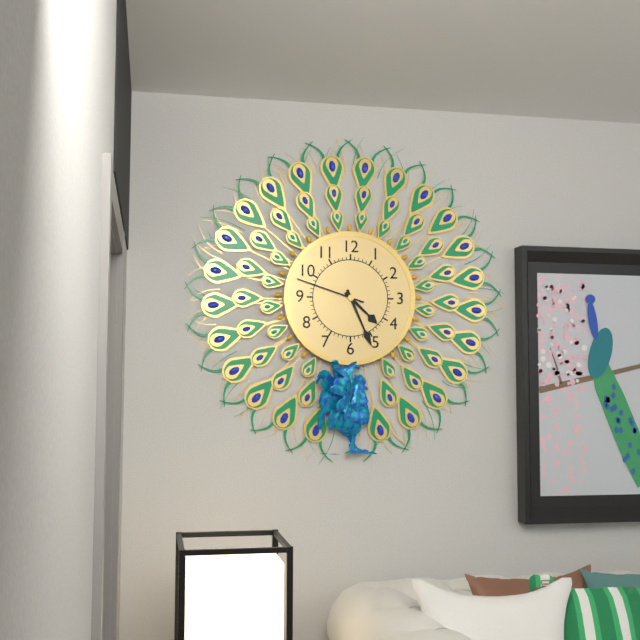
**4:26:48**
